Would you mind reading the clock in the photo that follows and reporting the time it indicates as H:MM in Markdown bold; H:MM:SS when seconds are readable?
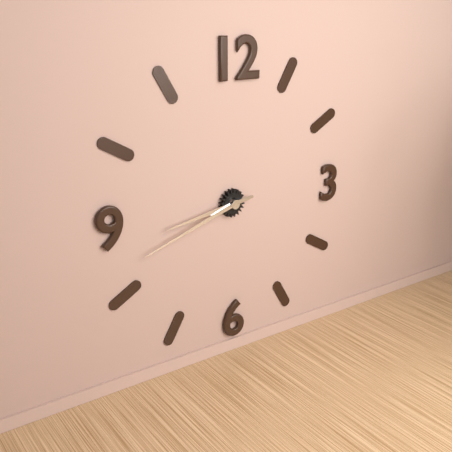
**8:42**
